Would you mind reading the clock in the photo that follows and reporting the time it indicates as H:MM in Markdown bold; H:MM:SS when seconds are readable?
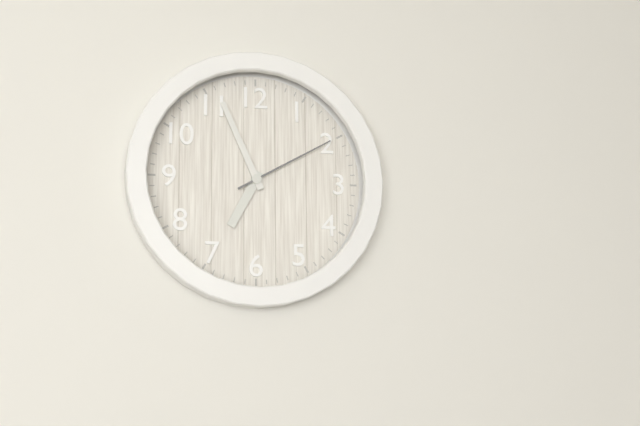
**6:56:10**
